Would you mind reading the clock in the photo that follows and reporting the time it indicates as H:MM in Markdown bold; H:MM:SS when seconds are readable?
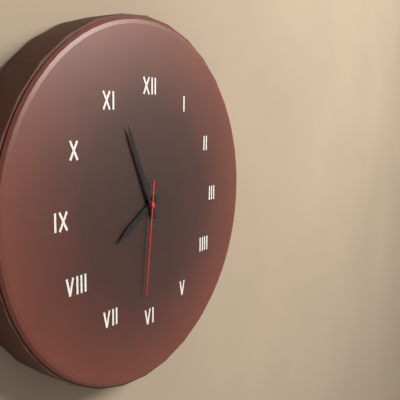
**7:56:31**
